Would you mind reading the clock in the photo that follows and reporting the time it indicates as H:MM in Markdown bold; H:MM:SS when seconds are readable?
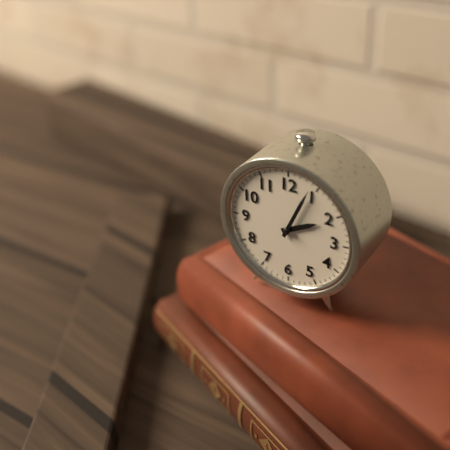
**2:04**
